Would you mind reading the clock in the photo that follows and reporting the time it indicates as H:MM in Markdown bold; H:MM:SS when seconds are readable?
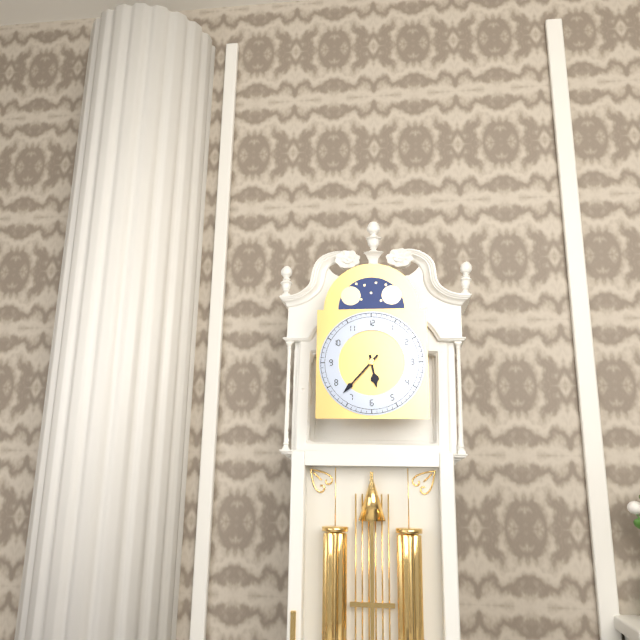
**5:37**
